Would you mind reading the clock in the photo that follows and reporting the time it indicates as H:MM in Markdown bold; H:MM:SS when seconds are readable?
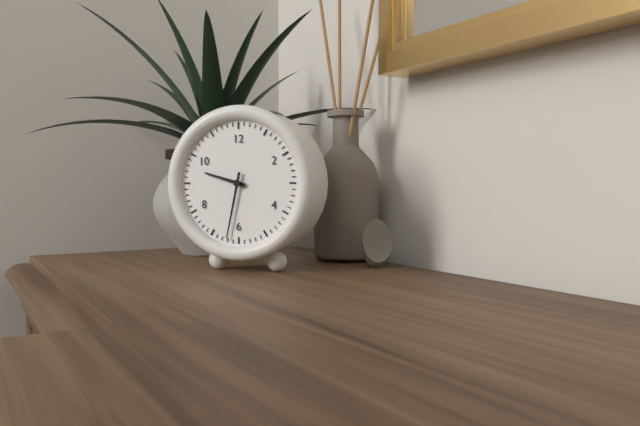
**9:32**
